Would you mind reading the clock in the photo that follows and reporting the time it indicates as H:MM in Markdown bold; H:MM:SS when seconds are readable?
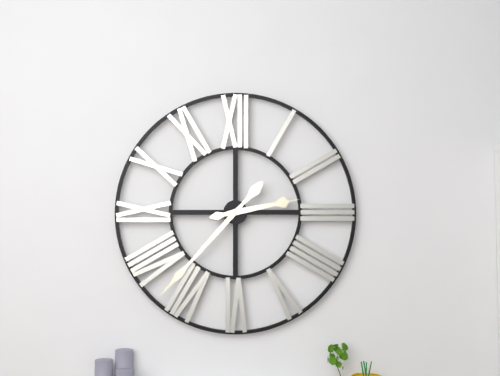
**2:37**
